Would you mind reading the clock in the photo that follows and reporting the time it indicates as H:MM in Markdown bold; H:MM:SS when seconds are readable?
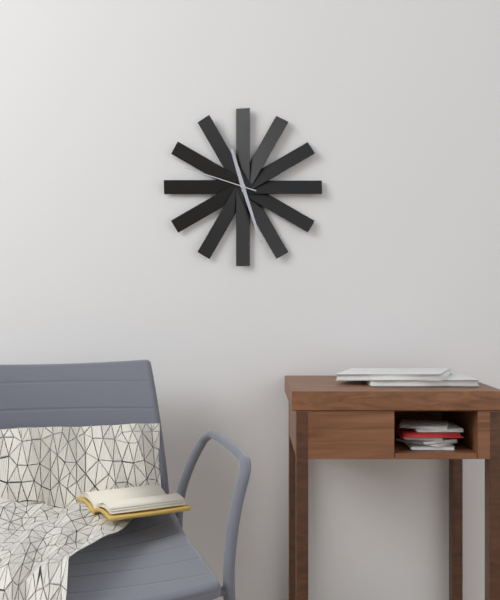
**11:27:48**
